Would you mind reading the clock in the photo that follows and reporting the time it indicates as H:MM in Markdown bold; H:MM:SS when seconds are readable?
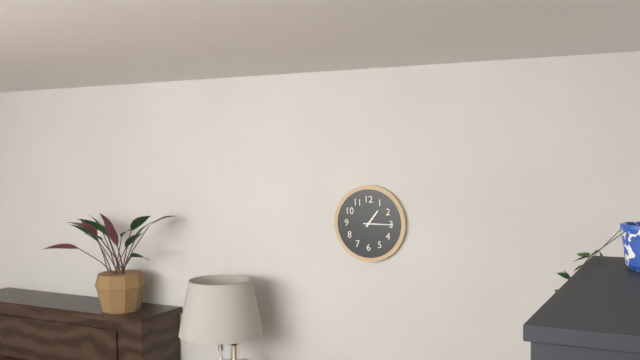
**1:15**
